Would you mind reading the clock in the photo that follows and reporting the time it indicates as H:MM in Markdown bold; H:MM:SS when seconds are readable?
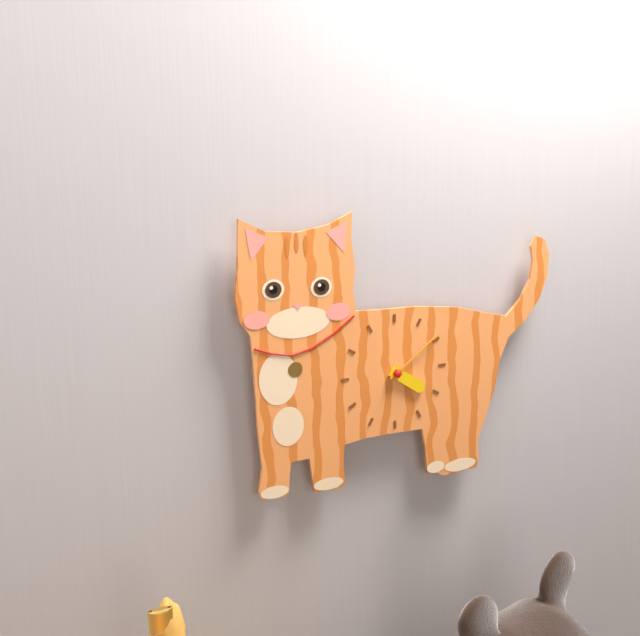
**4:09**
